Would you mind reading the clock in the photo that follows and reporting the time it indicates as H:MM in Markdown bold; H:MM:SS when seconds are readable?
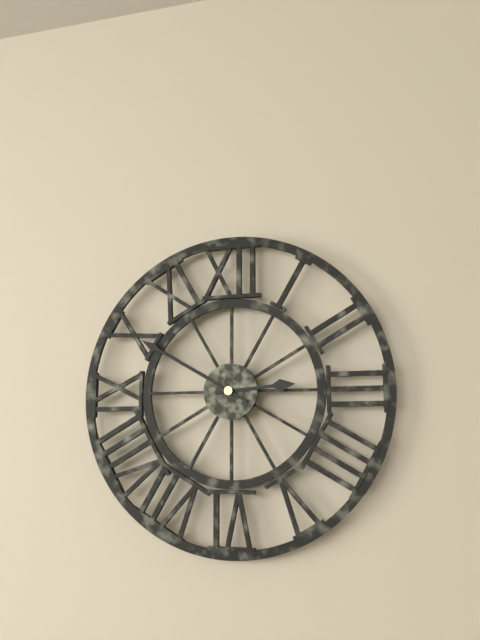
**2:50**
